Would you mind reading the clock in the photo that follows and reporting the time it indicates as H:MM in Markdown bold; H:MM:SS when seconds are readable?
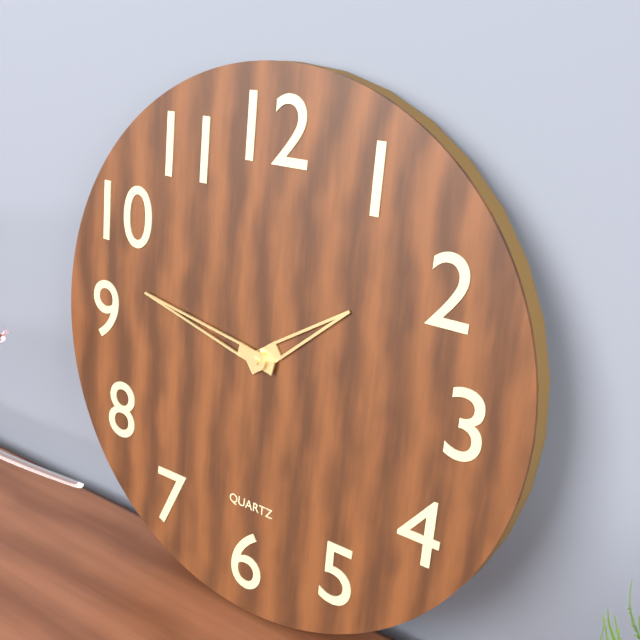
**1:47**
